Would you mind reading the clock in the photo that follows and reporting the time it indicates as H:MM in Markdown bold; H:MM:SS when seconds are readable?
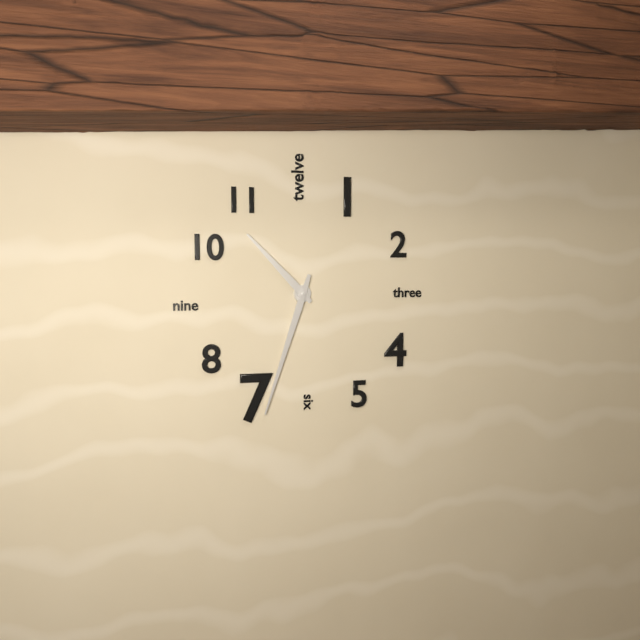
**10:33**
